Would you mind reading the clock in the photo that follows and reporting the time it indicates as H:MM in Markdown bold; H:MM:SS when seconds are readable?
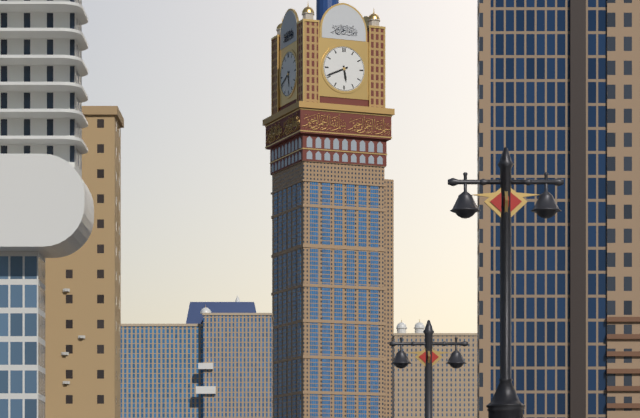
**5:41**
